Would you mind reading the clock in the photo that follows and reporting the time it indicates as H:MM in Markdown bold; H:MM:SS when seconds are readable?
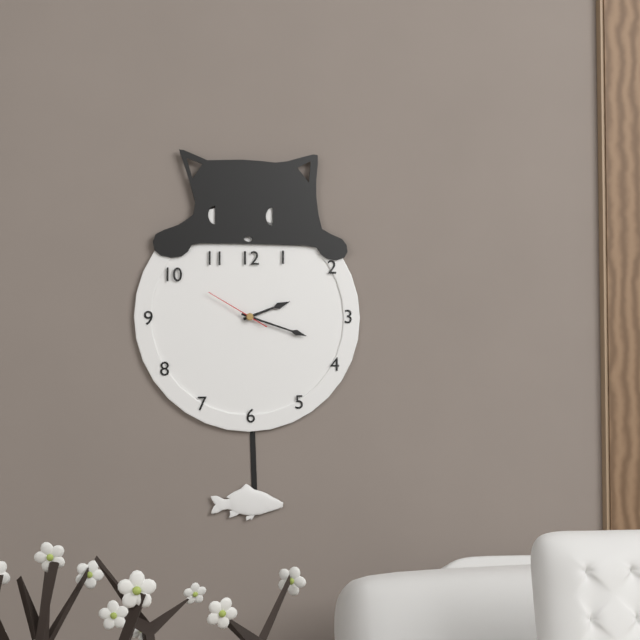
**2:18:50**
